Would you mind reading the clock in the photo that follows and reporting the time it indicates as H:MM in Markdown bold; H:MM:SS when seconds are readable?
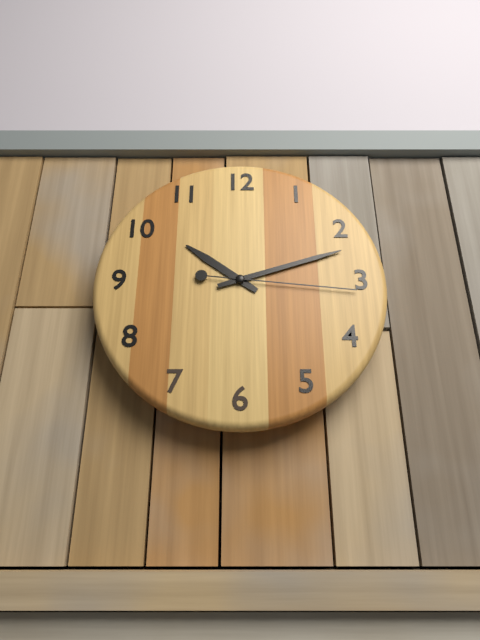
**10:12:16**
